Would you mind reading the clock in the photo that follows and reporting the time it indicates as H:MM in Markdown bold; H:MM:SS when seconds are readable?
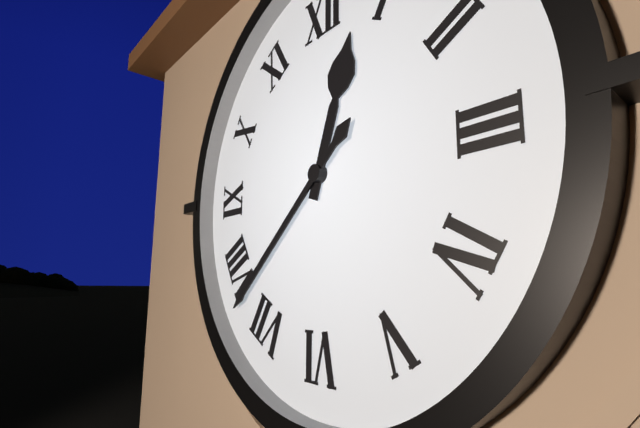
**12:38**
